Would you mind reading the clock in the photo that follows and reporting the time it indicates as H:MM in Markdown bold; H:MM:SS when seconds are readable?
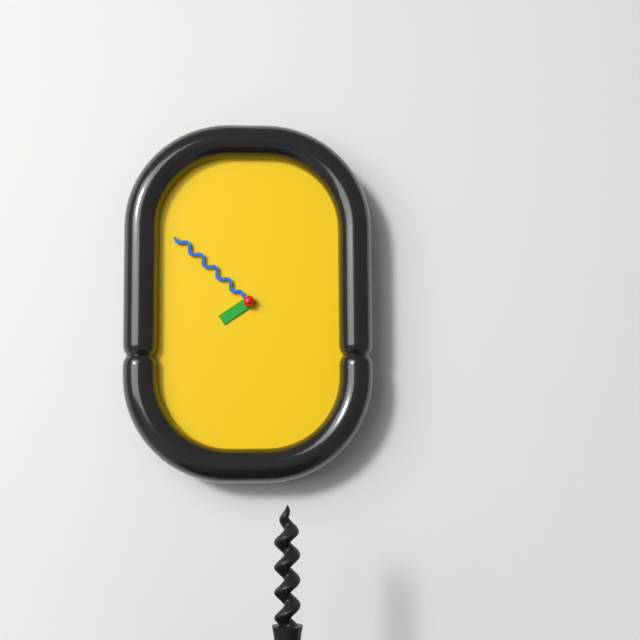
**7:52**
